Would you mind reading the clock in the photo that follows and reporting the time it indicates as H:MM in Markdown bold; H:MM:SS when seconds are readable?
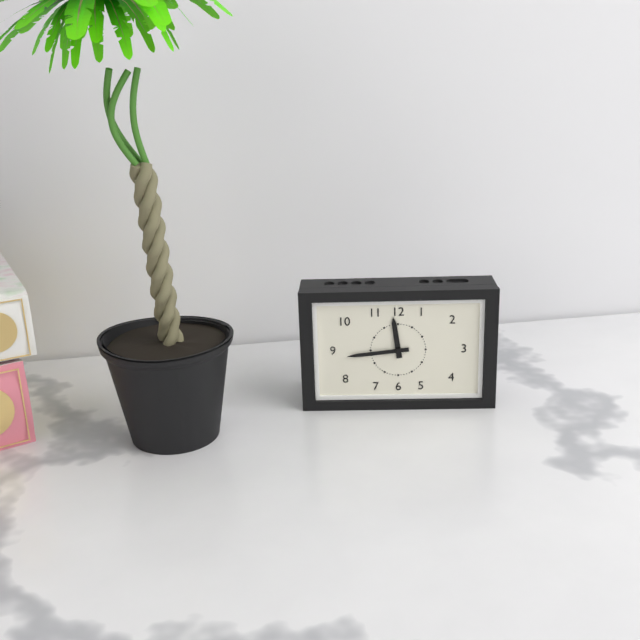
**11:44**
